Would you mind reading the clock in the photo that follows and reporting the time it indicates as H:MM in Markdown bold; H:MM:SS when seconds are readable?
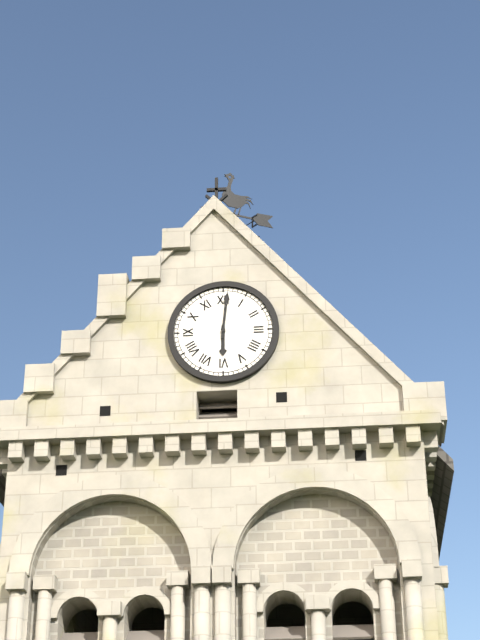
**6:01**
